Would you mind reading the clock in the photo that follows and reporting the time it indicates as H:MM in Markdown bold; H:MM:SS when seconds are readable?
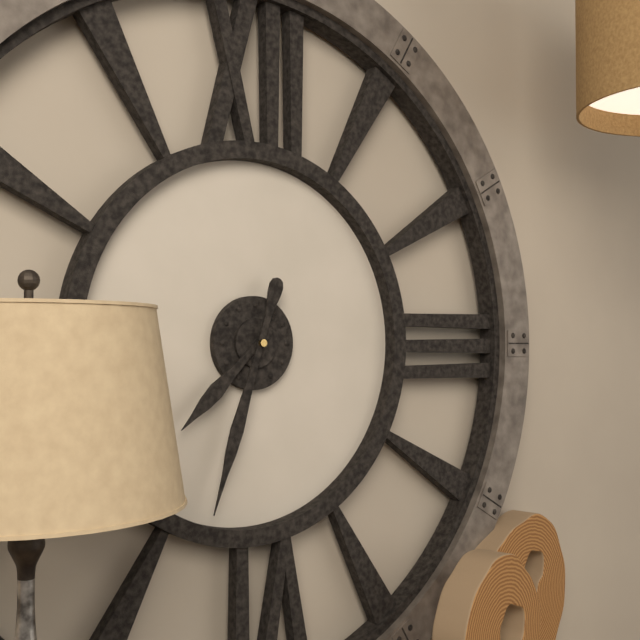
**7:33**
